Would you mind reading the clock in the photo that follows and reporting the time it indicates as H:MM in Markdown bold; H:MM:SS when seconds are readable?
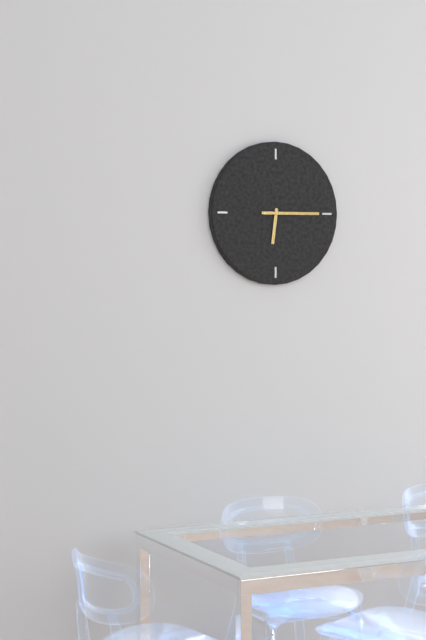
**6:15**
